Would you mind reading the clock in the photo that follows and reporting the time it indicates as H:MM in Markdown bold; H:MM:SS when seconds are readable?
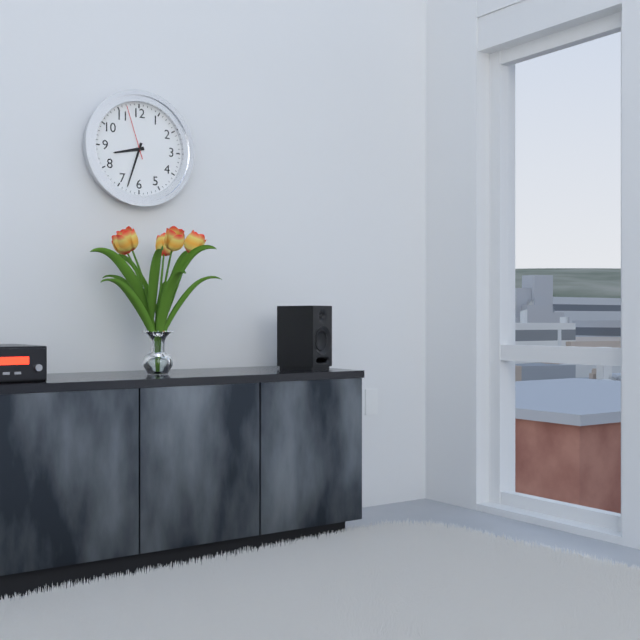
**8:33:57**
